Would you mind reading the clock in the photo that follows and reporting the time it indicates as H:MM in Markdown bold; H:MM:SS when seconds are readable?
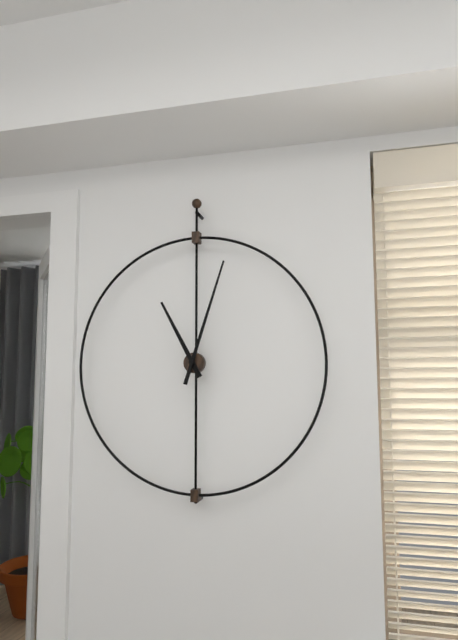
**11:03**
